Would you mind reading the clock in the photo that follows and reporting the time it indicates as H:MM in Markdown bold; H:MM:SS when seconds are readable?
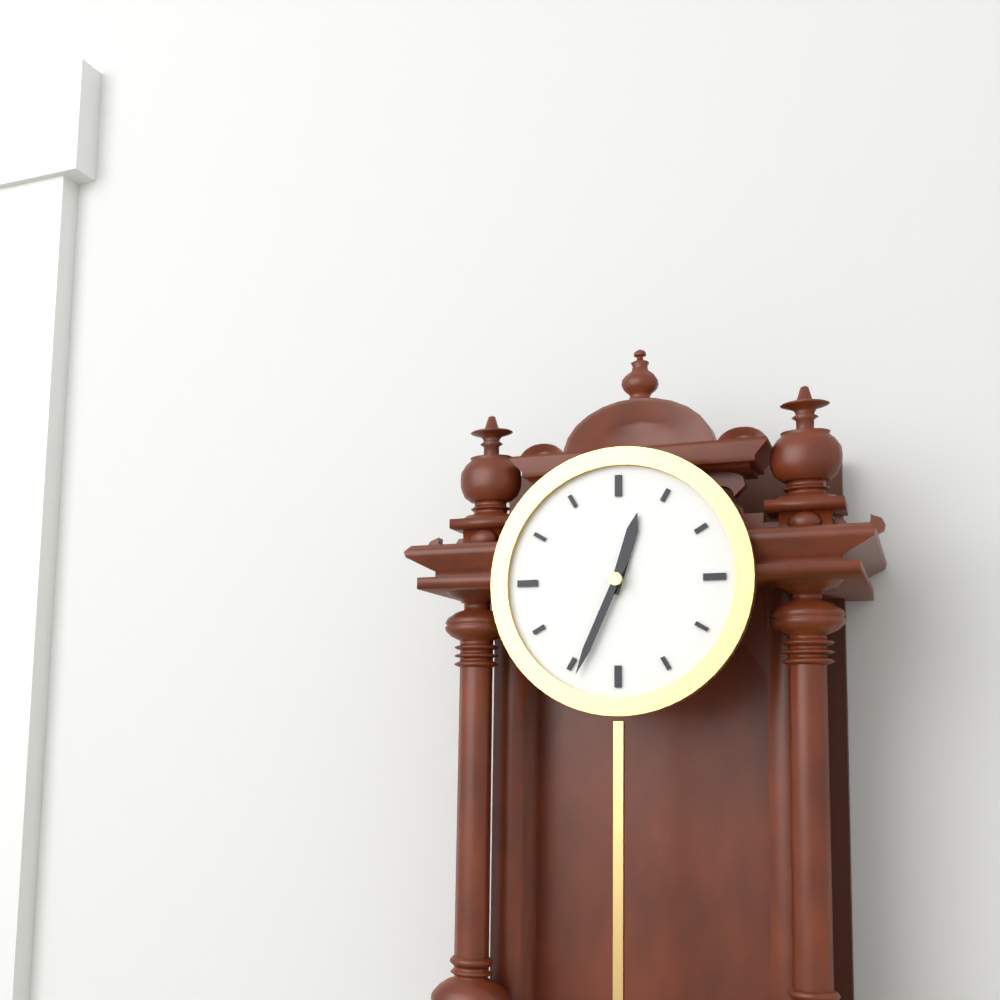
**12:34**
